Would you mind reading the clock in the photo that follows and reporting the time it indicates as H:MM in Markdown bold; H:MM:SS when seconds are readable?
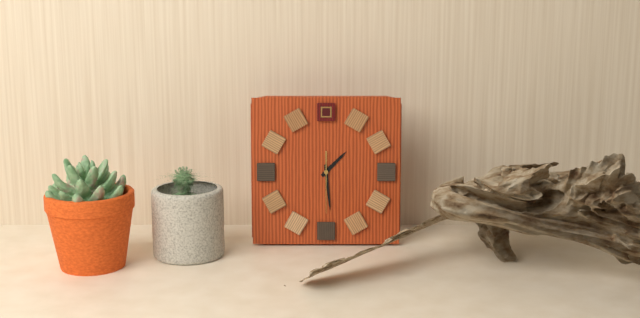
**1:29:30**
